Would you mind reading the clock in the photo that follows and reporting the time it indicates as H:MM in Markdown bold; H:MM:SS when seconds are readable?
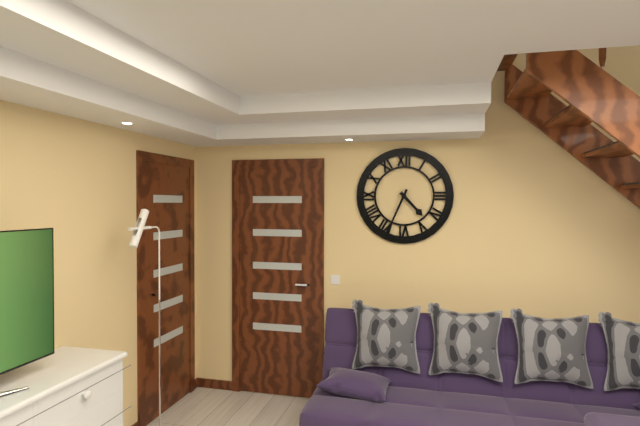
**4:34**
